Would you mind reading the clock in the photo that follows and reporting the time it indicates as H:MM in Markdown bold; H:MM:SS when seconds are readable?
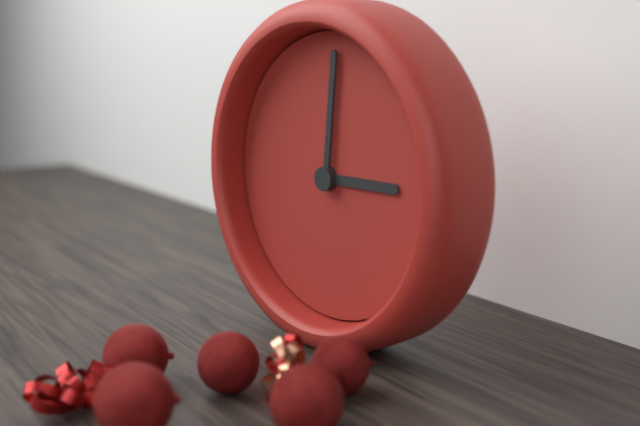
**3:01**
